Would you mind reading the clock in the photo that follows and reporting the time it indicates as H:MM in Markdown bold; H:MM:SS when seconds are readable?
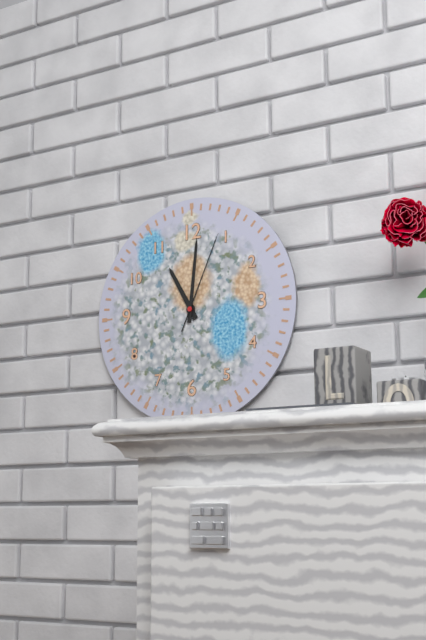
**11:01:04**
